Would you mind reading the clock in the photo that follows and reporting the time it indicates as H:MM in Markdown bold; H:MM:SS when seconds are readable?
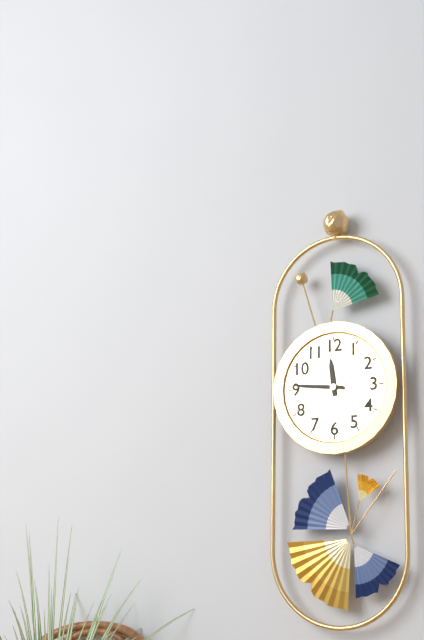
**11:46**
